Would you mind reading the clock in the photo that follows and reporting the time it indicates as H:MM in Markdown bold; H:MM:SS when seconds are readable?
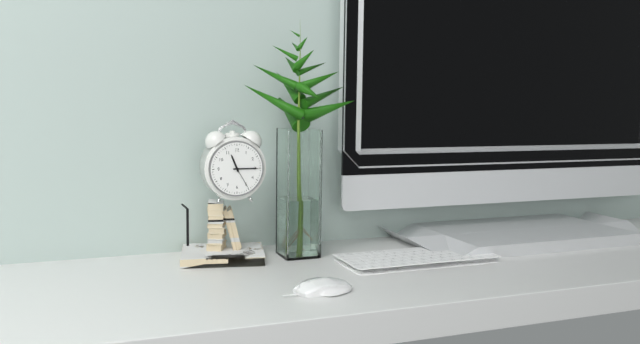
**11:15**
